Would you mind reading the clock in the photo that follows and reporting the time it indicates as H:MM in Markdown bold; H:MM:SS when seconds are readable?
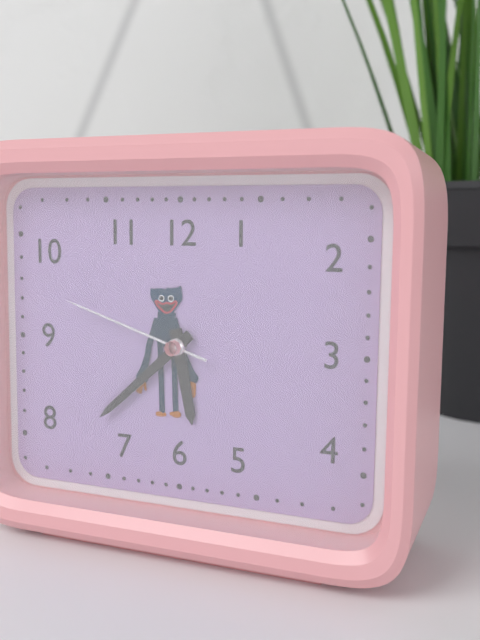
**5:38:48**
